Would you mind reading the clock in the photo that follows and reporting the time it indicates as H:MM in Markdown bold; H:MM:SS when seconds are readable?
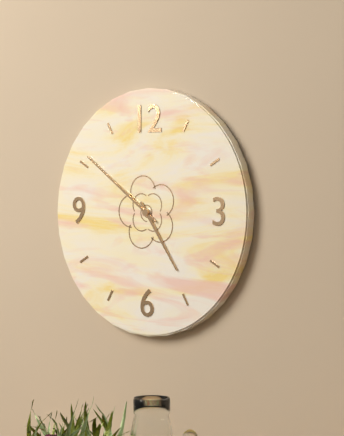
**4:51**
